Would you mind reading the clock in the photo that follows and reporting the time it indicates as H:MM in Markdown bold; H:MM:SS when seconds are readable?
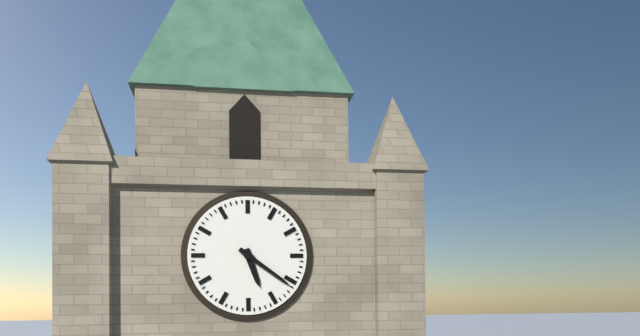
**5:21**
